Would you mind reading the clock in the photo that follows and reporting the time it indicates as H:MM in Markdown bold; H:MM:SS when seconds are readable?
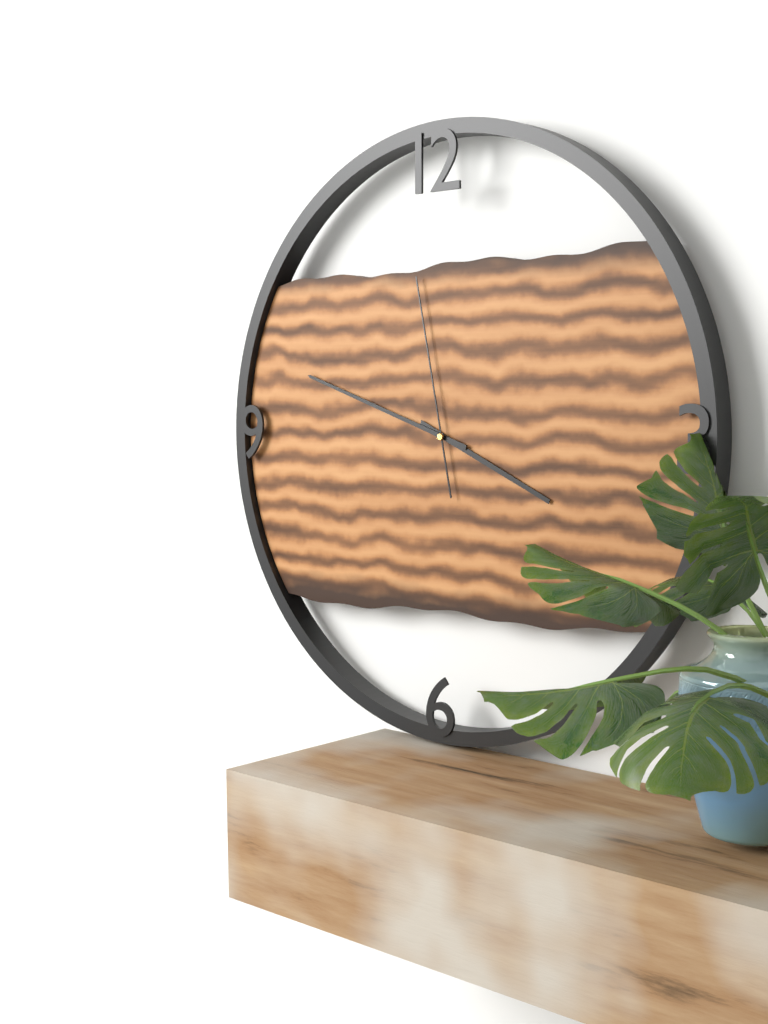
**3:48:58**
